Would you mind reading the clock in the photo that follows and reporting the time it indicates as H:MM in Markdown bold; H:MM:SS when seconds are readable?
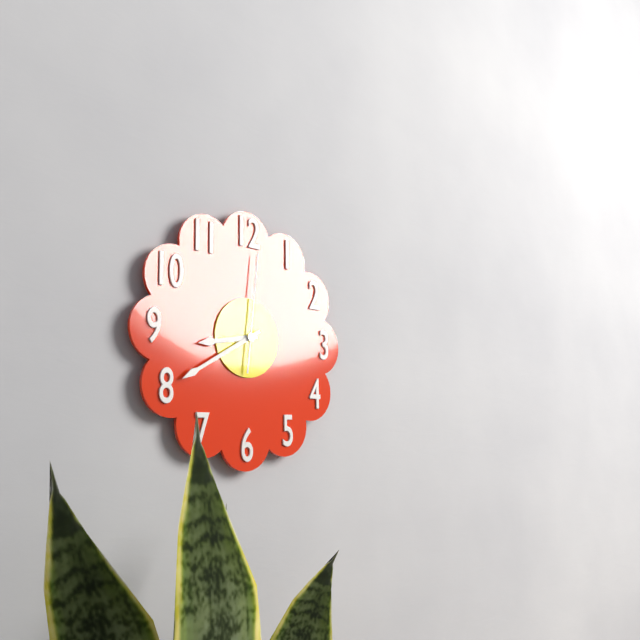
**8:40:01**
